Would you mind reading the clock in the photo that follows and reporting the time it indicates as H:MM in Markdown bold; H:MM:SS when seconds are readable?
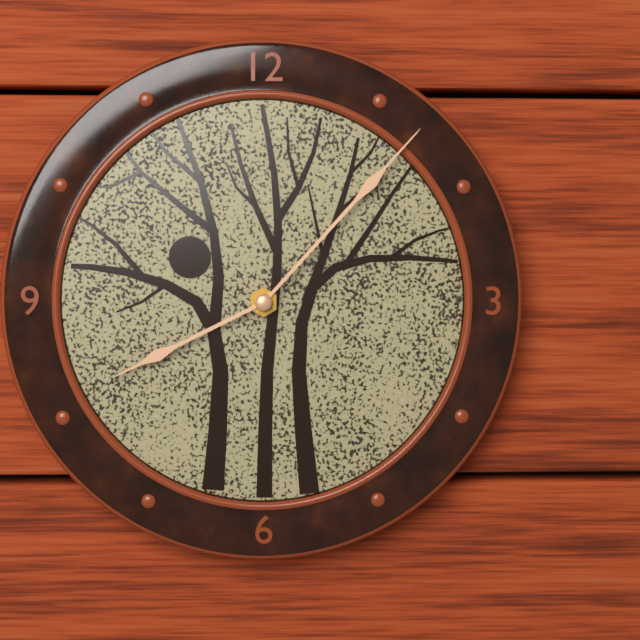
**8:07**
